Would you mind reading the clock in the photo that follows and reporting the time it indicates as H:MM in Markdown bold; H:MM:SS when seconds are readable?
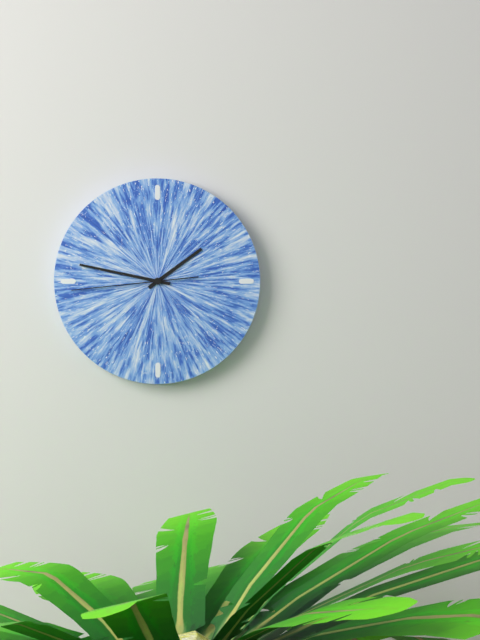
**1:47:44**
